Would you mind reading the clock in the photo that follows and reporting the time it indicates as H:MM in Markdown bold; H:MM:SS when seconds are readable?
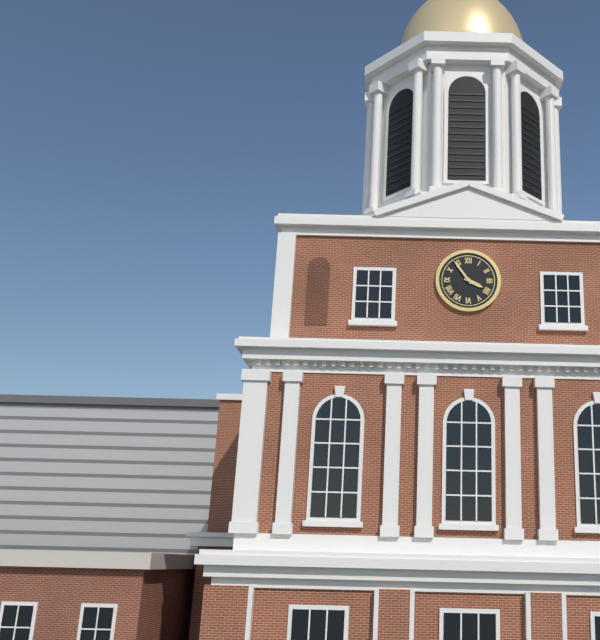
**3:54**
